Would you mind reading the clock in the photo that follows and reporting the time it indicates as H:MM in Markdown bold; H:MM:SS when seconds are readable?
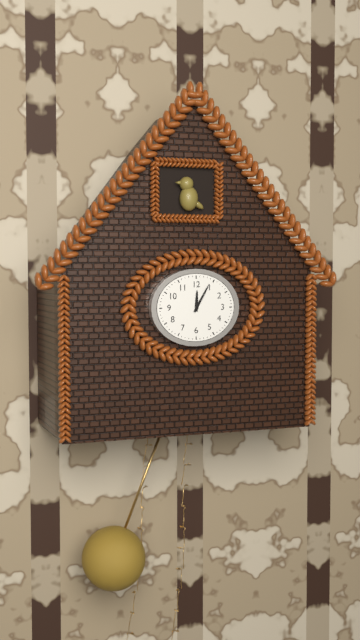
**12:05**
